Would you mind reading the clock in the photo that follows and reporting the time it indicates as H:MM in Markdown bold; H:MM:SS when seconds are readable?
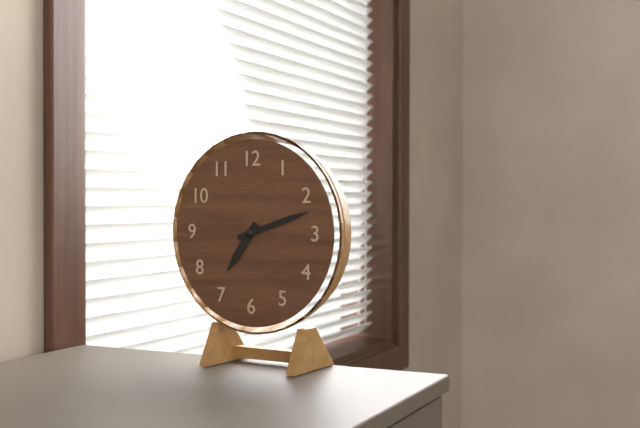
**7:12**
